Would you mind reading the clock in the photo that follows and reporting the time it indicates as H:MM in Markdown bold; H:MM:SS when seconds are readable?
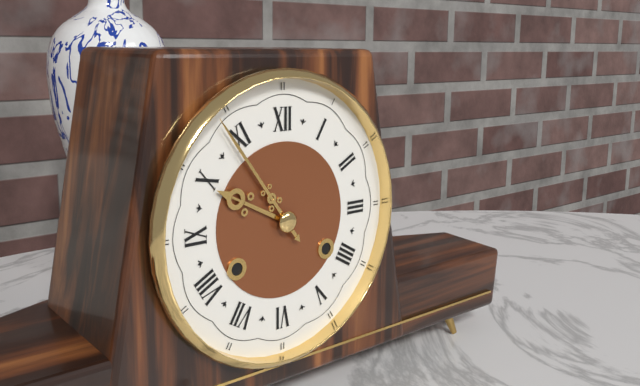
**9:54**
